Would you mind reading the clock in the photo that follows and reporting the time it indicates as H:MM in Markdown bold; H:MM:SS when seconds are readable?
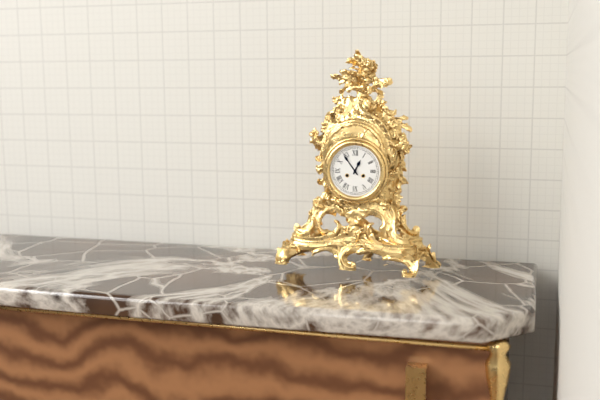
**12:54**
